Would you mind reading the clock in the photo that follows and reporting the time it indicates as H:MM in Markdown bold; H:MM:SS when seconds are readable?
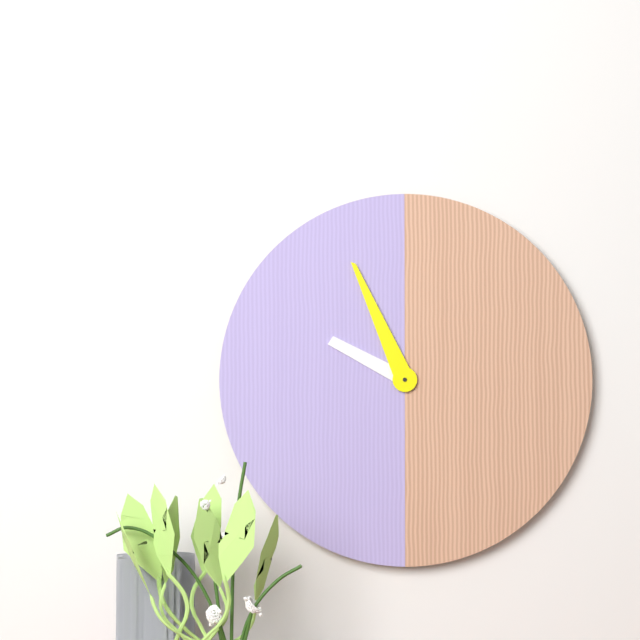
**9:56**
